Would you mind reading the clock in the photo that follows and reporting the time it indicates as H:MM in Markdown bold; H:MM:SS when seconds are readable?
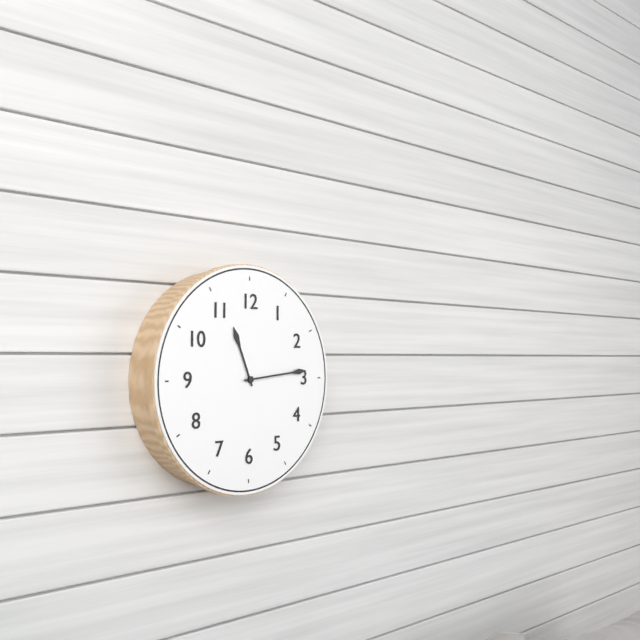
**11:14**
